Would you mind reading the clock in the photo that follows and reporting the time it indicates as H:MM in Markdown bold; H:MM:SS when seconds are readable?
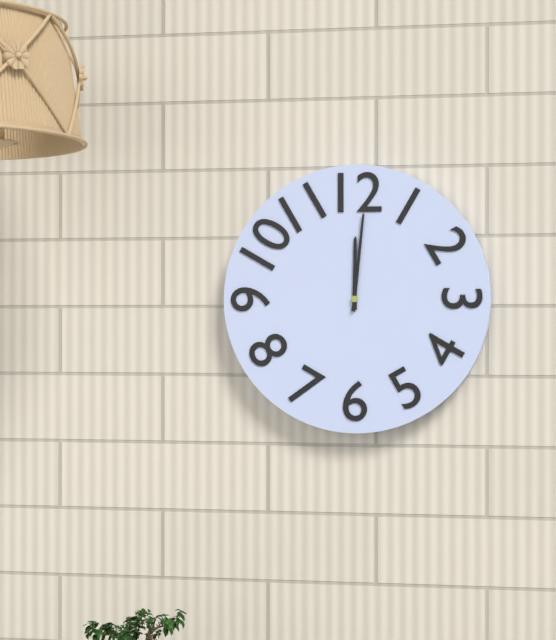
**12:01**
